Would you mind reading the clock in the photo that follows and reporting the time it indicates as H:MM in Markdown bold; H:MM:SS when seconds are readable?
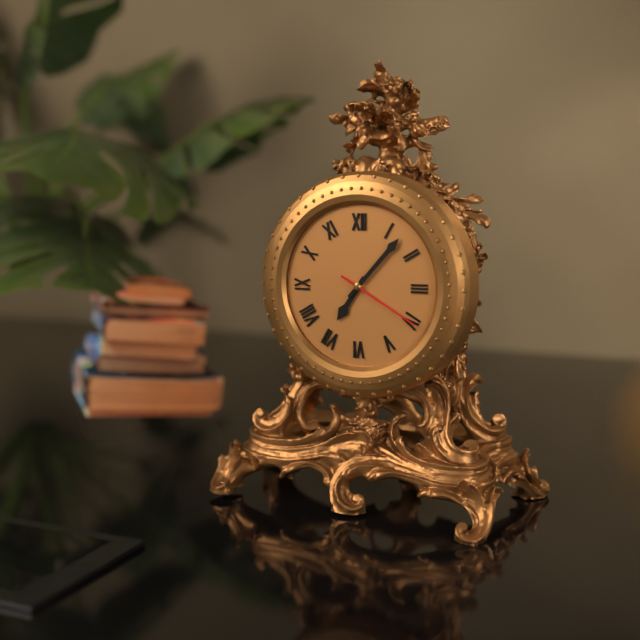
**7:07:20**
